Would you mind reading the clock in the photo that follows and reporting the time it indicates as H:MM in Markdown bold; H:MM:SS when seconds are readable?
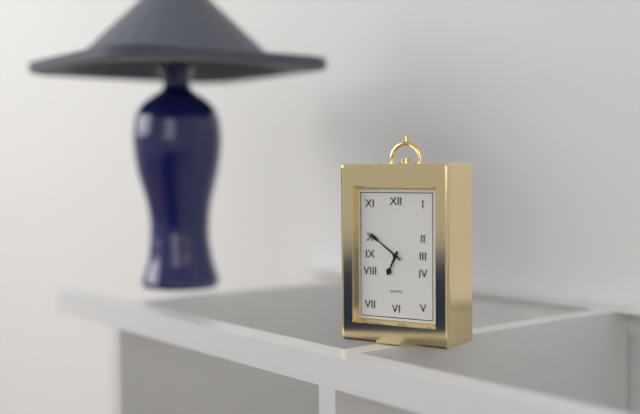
**6:51**
